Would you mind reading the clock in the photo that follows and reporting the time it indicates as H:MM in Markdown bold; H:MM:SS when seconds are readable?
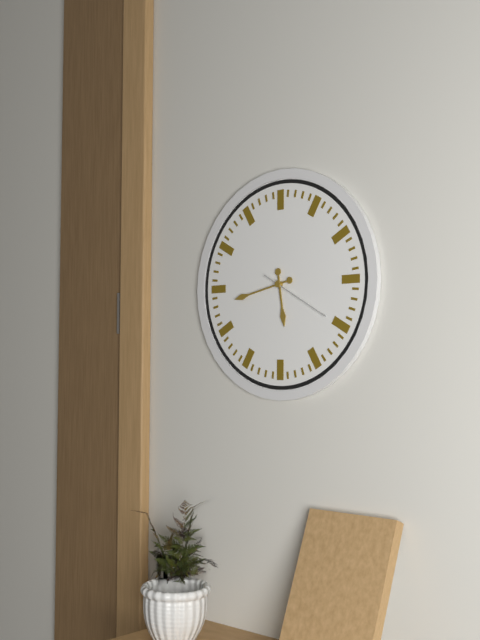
**5:43:20**
